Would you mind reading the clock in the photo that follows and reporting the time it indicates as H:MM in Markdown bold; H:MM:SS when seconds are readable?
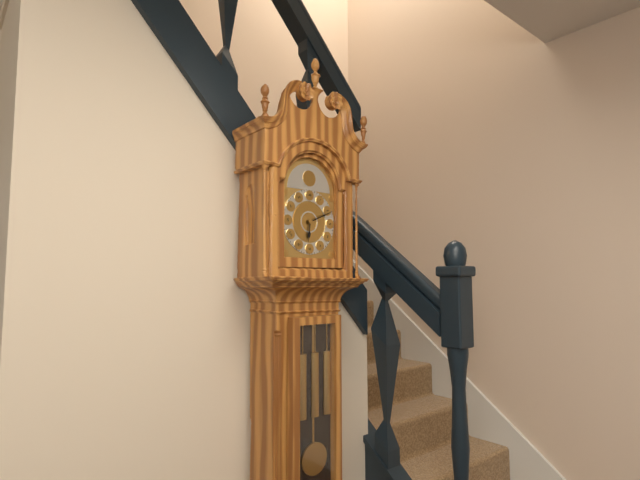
**6:11**
